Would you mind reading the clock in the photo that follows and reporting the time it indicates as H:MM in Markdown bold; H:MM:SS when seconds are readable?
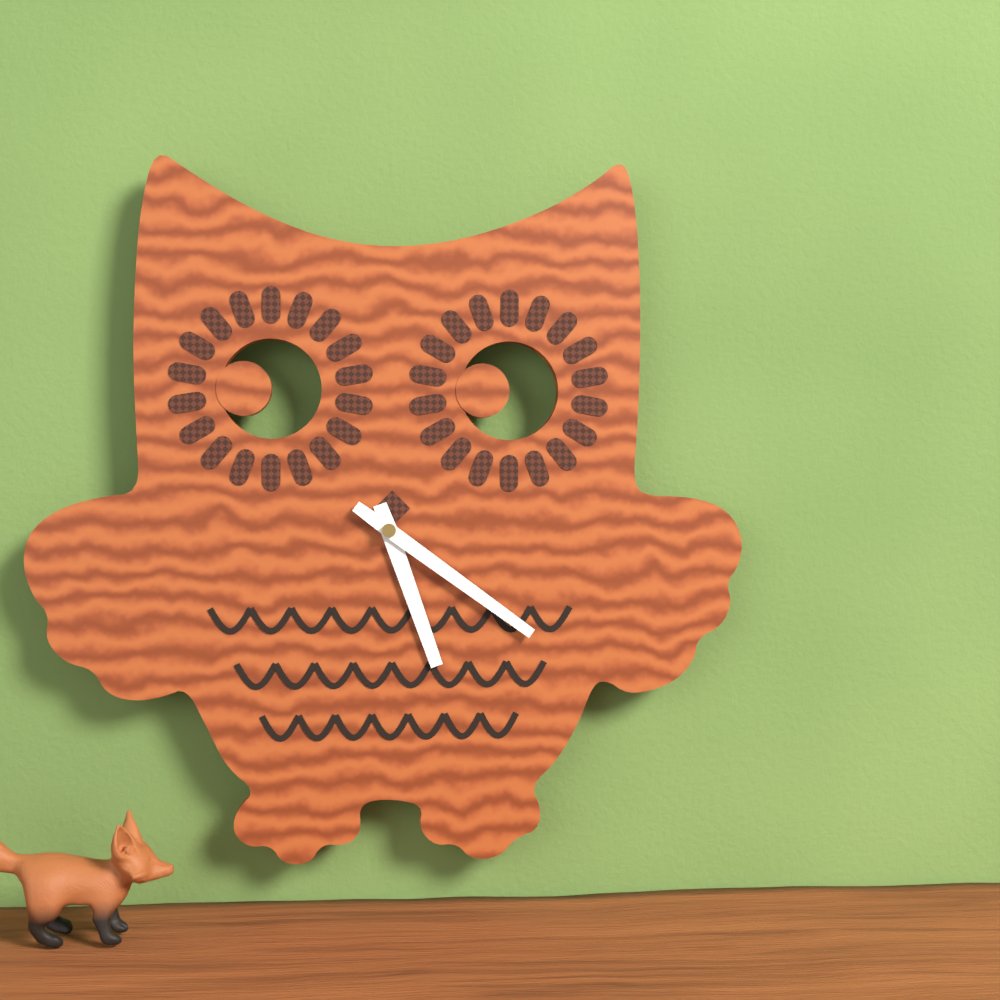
**5:21**
